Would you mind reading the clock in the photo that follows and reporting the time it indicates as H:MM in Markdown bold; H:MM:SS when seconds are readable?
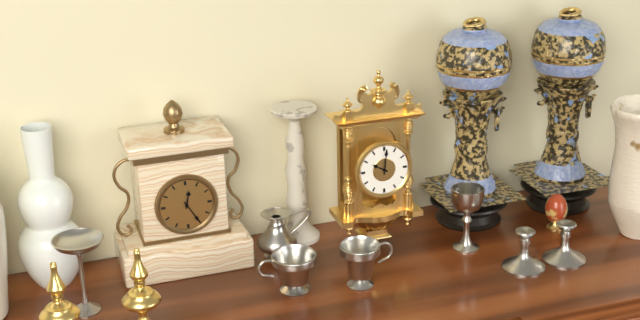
**10:01**
